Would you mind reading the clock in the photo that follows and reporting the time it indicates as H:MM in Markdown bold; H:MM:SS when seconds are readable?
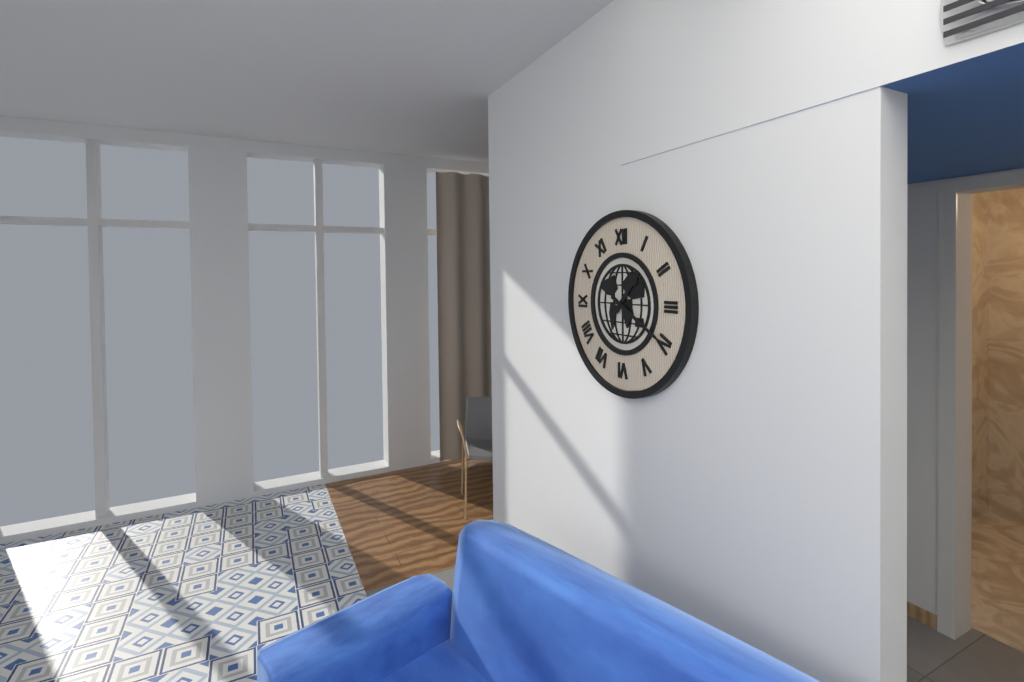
**1:20**
